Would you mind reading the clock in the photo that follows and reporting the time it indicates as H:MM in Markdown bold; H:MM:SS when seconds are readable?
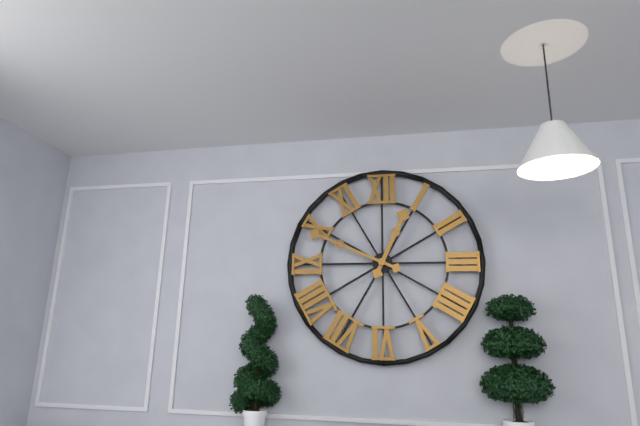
**12:49**
